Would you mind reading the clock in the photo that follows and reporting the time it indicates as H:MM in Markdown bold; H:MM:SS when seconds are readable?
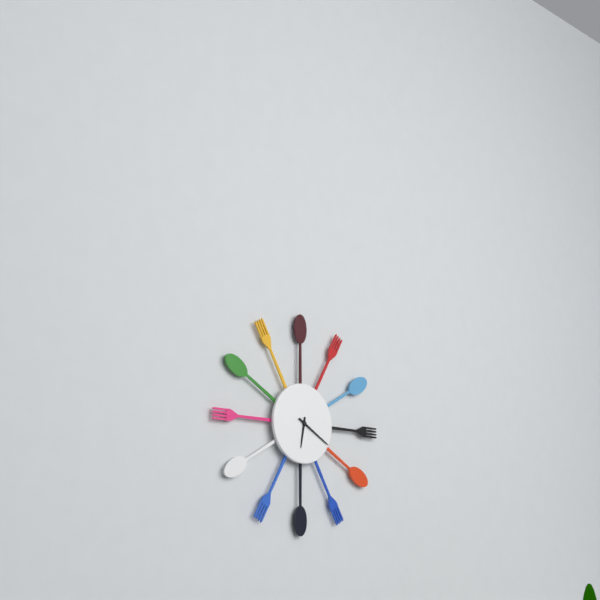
**6:20**
